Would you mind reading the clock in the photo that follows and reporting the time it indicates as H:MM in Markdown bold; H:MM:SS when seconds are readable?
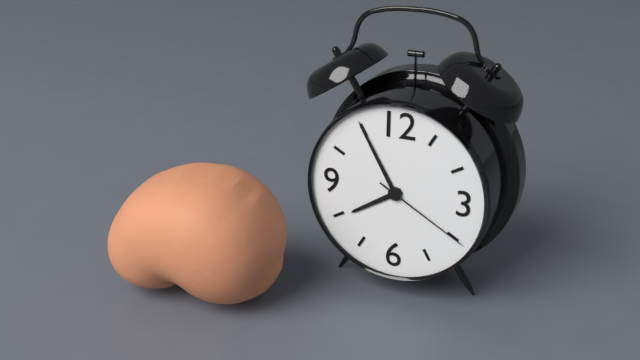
**7:55:20**
